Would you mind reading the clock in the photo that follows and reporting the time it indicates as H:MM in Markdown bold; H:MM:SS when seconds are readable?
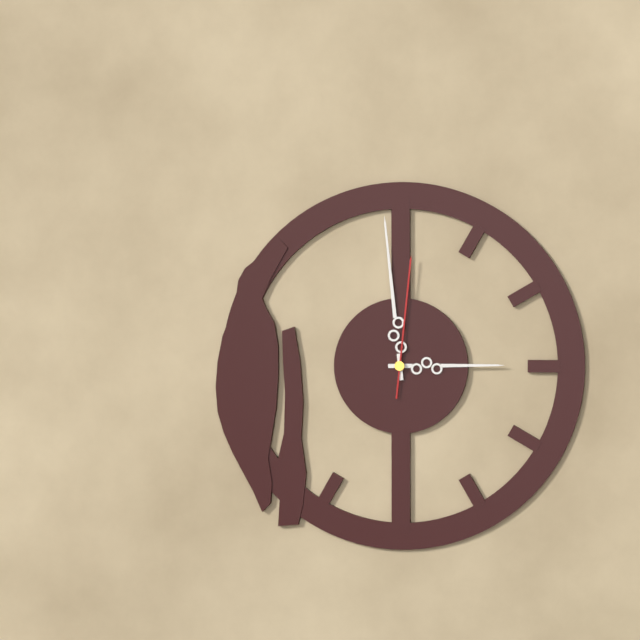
**2:59:01**
